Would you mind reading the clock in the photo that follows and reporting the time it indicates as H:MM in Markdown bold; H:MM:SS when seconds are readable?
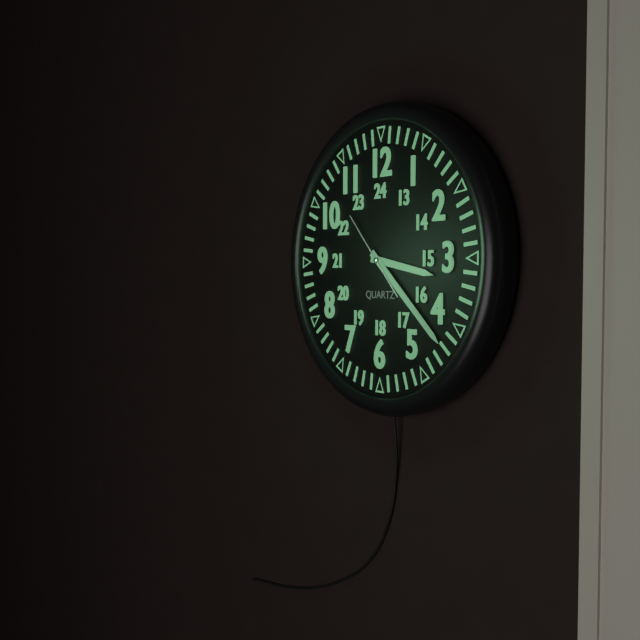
**3:22:53**
